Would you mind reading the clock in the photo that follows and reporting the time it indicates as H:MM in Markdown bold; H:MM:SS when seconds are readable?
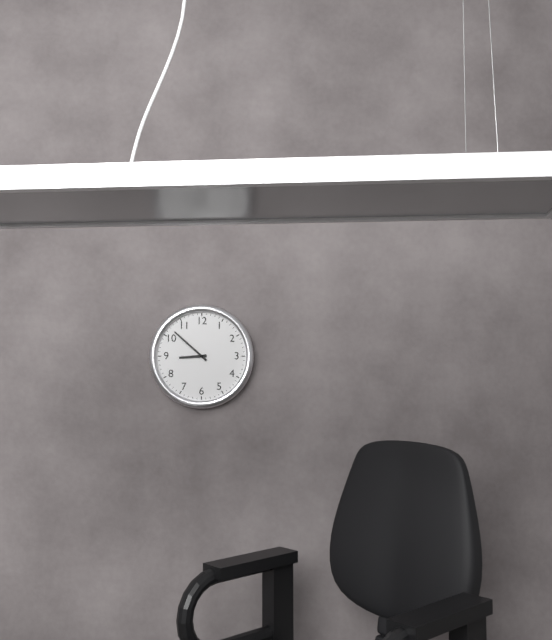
**8:52**
